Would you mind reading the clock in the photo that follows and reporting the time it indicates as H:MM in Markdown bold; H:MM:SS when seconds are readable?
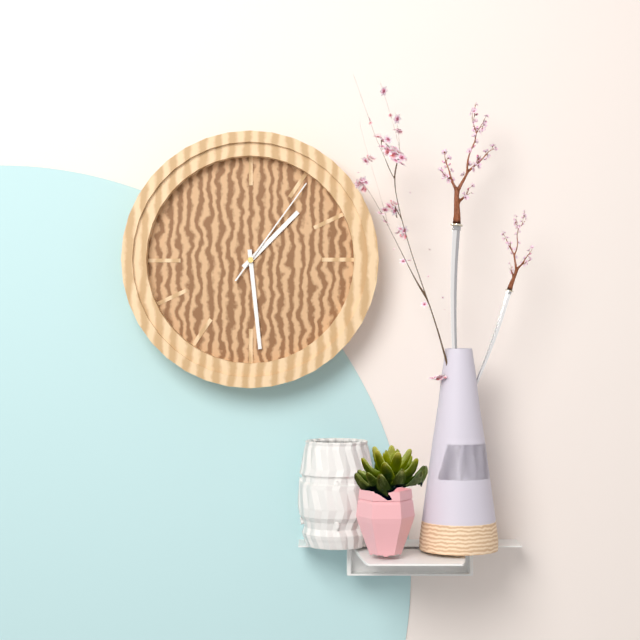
**1:29:06**
